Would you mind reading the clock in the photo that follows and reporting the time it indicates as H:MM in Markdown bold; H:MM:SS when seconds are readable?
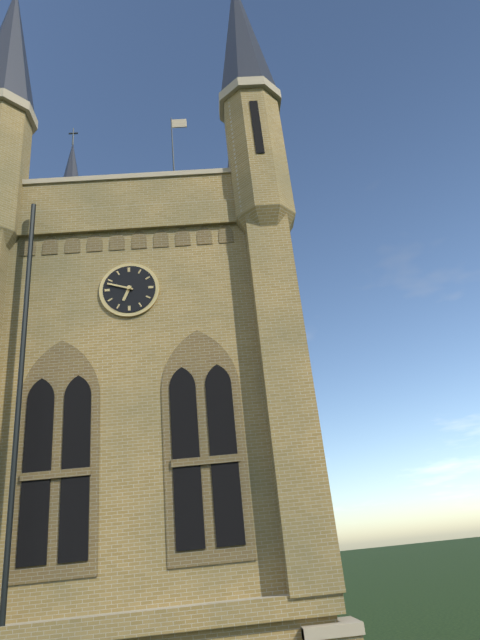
**6:48**
